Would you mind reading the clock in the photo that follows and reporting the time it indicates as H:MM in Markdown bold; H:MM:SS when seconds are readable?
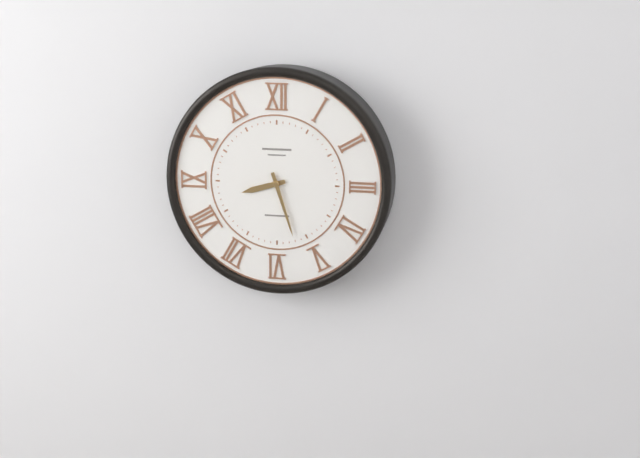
**8:27**
